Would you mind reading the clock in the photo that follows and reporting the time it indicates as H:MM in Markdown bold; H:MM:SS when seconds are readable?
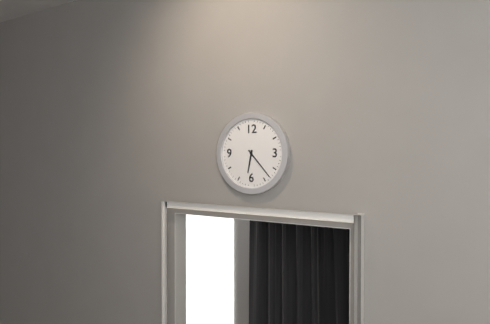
**6:23**
